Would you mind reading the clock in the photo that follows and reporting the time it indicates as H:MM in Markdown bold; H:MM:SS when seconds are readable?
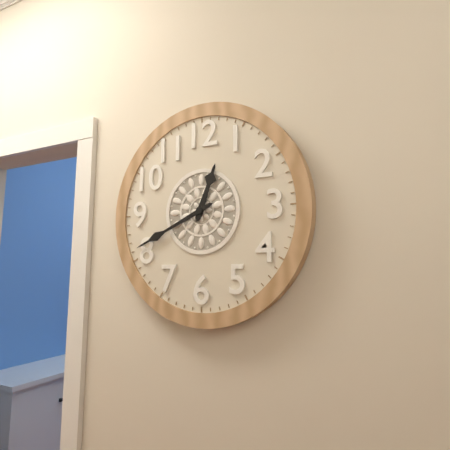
**12:41**
